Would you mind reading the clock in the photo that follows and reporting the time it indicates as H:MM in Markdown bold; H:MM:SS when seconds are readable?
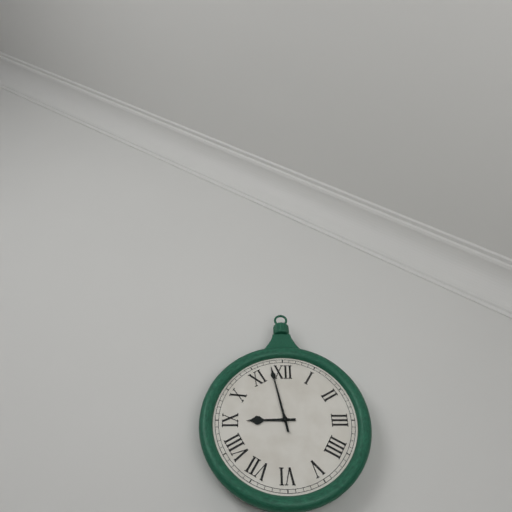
**8:58**
